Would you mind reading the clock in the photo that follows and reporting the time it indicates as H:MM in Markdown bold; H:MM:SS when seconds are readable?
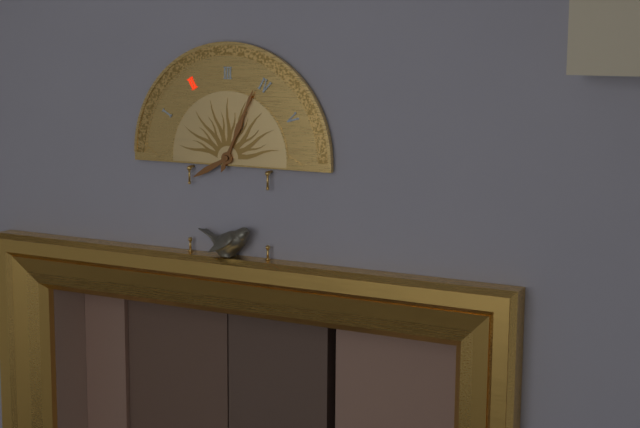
**8:04**
